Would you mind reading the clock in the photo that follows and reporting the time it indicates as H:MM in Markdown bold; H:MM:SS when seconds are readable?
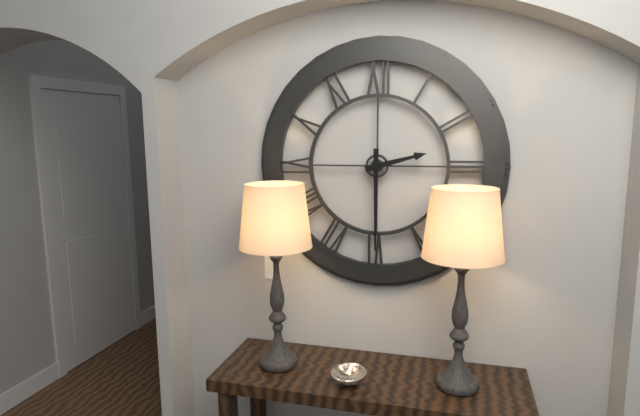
**2:30**
